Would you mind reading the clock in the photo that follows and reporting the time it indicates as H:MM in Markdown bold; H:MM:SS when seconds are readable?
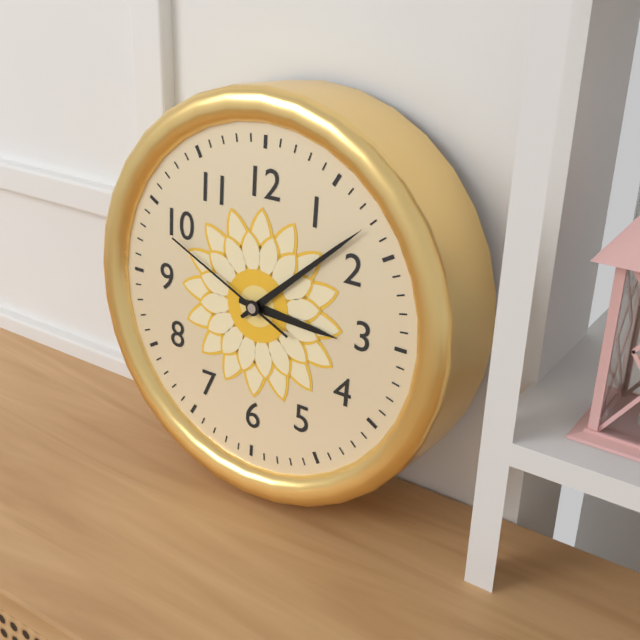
**3:08:49**
